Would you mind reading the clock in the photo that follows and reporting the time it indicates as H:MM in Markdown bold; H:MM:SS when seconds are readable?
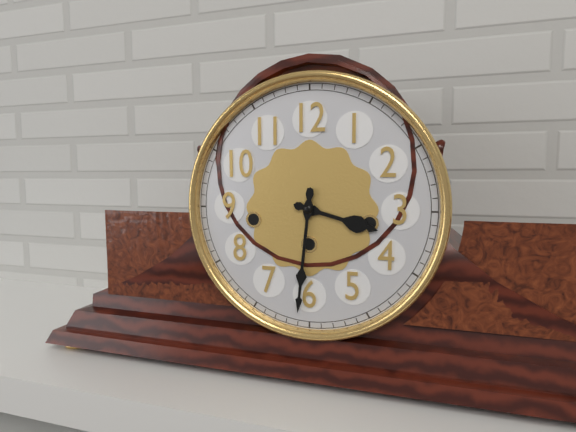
**3:31**
